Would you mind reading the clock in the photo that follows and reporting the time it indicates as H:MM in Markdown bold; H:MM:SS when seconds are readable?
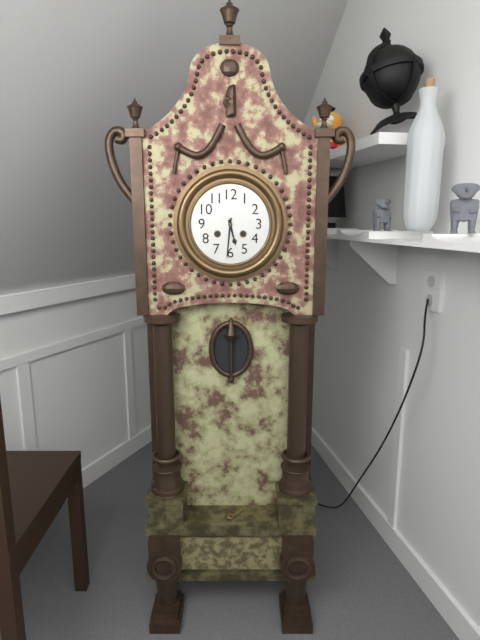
**5:31**
